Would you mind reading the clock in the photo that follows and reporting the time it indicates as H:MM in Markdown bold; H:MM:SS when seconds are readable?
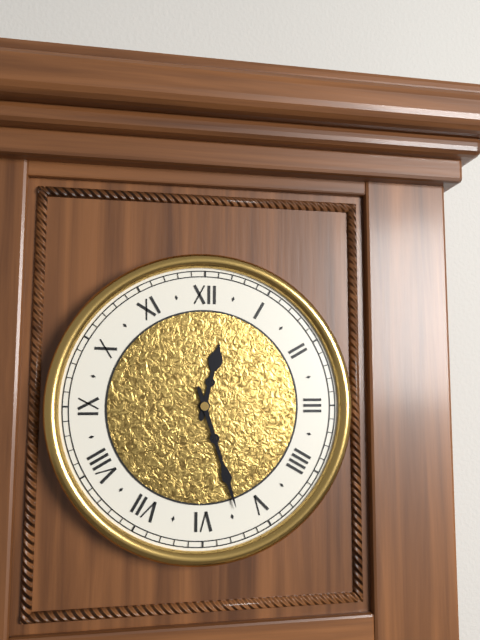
**12:27**
